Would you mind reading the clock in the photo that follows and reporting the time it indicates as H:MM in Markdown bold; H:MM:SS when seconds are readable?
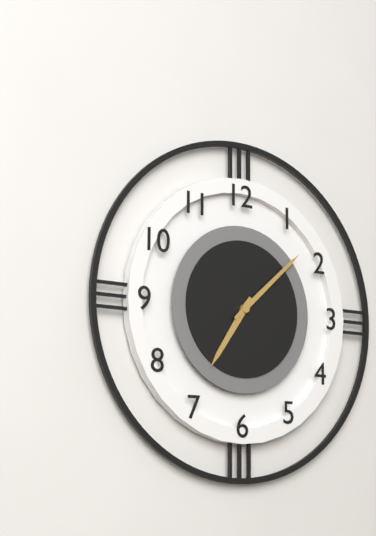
**7:08**
